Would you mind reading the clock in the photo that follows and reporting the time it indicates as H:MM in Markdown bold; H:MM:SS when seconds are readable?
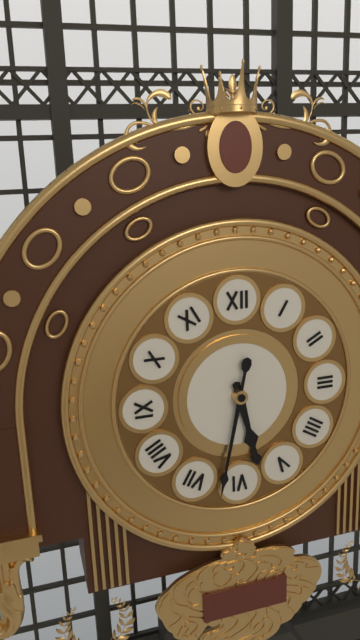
**5:32**
